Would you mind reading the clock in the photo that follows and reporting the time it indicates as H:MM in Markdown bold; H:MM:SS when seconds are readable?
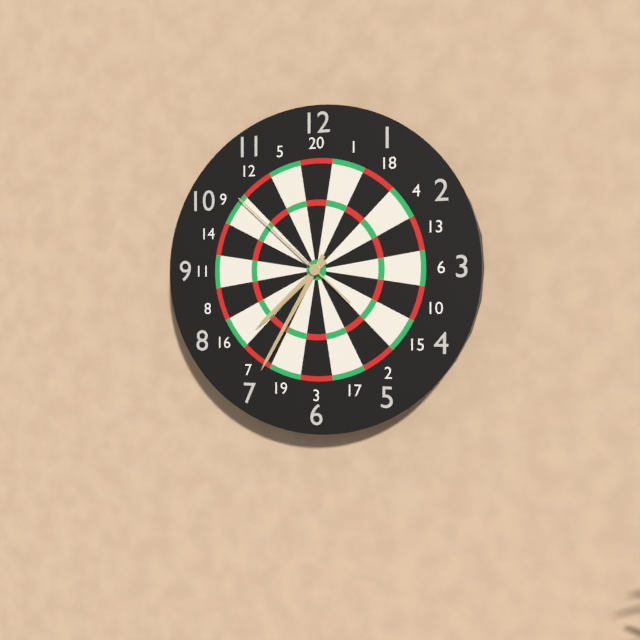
**7:35:52**
